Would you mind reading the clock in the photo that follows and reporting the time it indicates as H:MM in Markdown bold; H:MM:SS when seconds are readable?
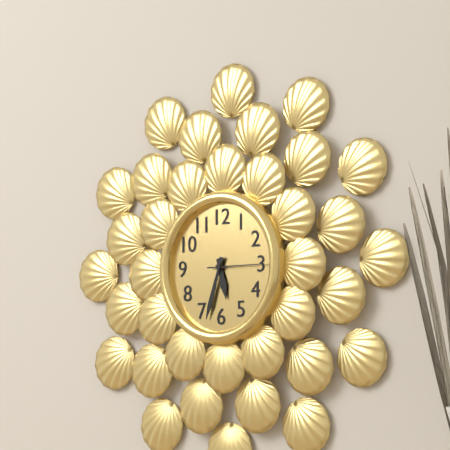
**5:33:15**
